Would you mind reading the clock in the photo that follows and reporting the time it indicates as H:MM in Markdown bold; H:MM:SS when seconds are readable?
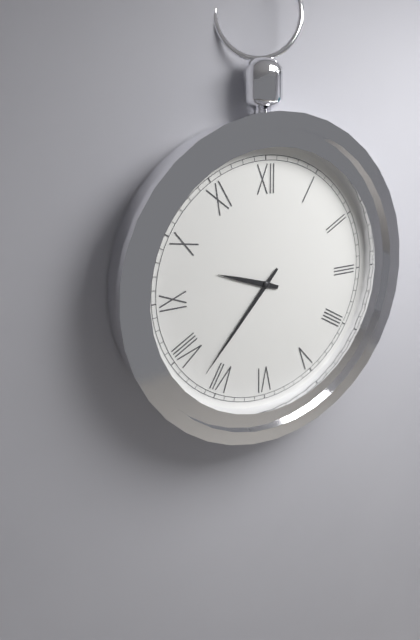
**9:37**
